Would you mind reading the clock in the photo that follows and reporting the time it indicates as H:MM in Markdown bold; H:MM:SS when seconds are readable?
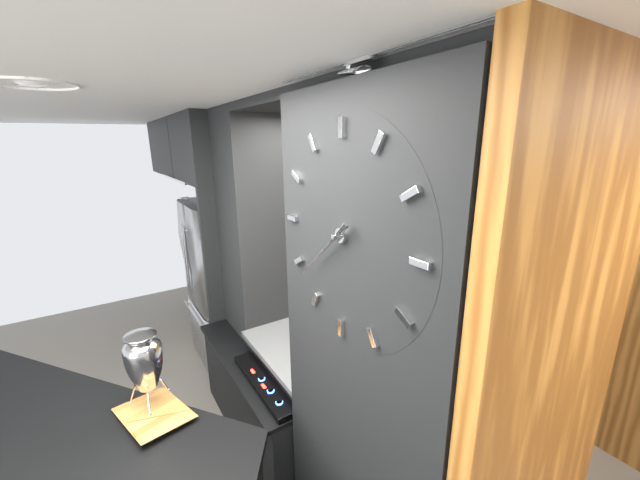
**7:38**
